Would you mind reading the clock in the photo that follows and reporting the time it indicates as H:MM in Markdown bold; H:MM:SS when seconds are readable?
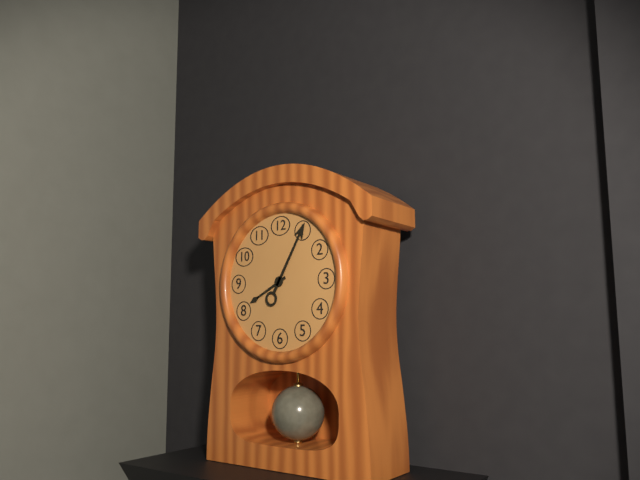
**8:05**
